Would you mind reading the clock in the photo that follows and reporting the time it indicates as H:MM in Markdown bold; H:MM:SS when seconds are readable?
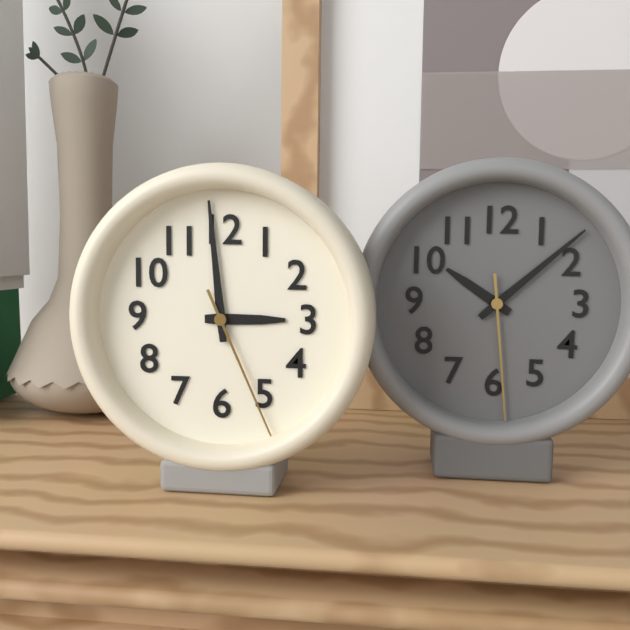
**2:59:26**
